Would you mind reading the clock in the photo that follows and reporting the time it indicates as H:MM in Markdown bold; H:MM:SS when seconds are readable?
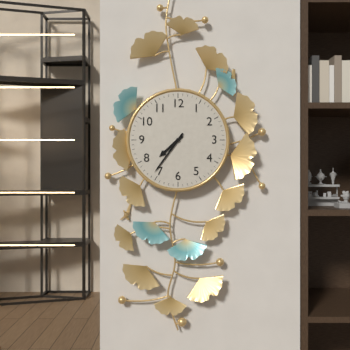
**7:36**
